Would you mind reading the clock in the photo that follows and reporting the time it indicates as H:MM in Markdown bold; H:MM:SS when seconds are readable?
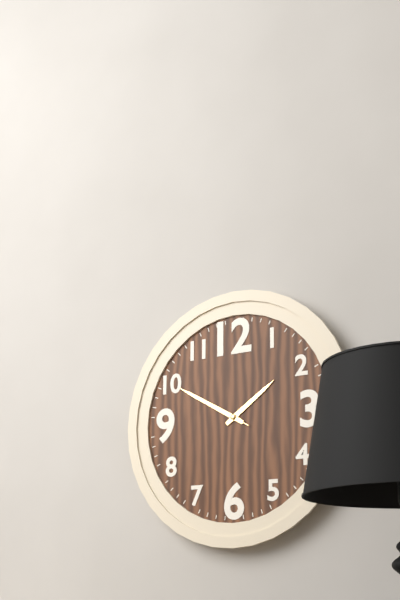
**1:50:50**
